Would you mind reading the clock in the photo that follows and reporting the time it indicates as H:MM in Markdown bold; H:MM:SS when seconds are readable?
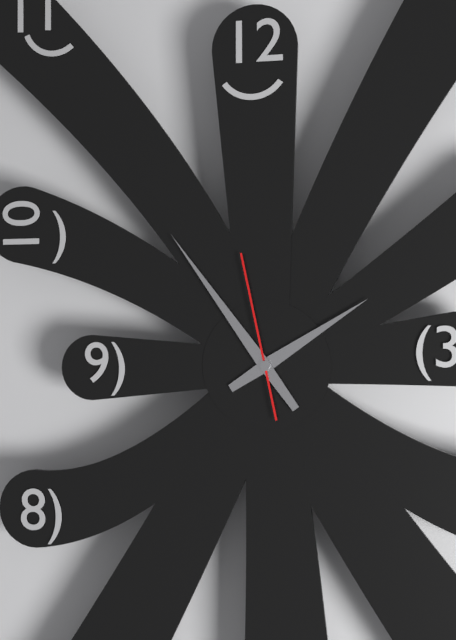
**1:54:58**
